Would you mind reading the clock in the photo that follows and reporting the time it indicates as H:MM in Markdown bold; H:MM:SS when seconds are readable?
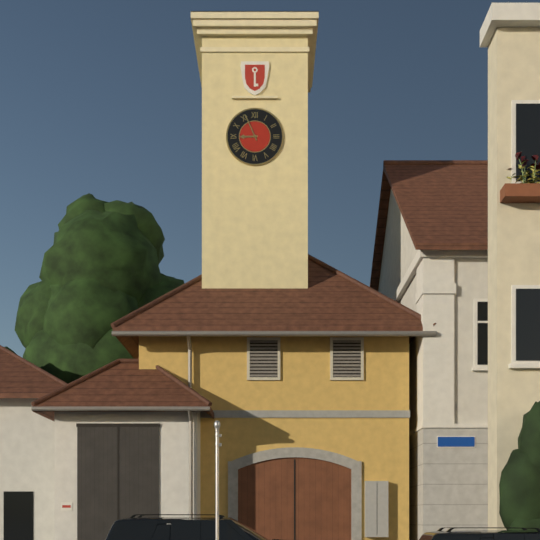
**8:56**
